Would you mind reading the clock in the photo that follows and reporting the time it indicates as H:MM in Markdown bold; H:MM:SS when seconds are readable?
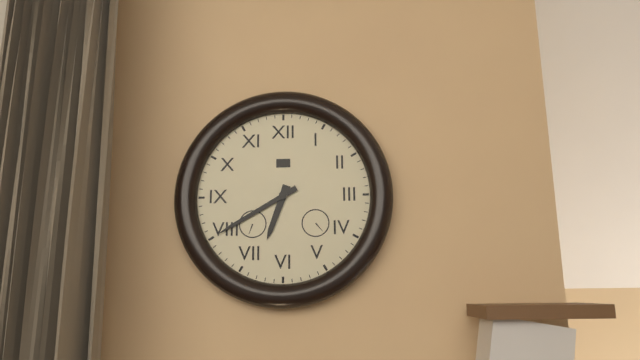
**6:40**
